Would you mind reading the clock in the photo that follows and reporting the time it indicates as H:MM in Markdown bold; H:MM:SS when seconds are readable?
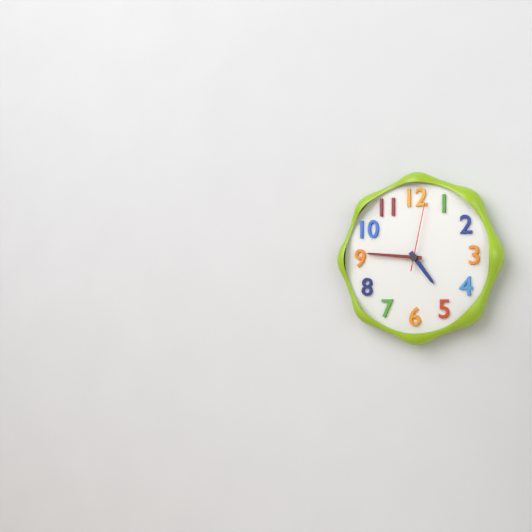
**4:46:02**
